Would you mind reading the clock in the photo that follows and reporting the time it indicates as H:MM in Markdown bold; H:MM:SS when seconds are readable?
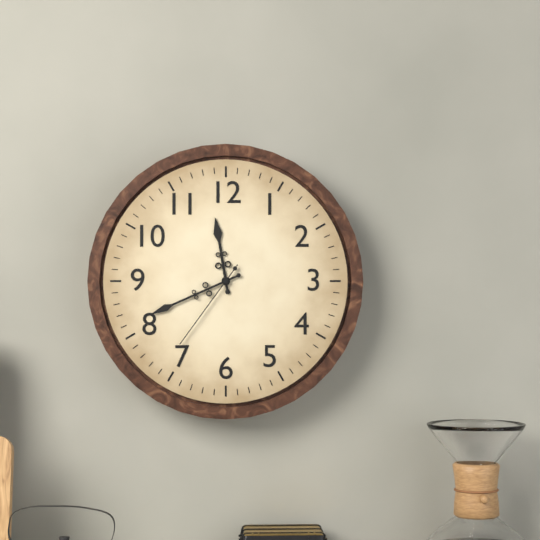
**11:41:36**
